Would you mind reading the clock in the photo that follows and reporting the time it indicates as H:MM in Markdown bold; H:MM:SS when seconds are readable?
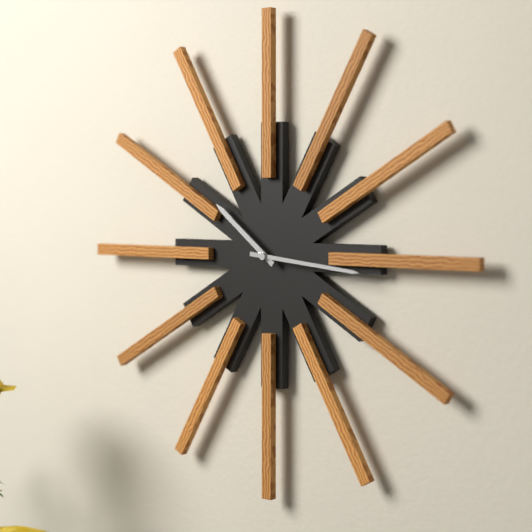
**10:16**
